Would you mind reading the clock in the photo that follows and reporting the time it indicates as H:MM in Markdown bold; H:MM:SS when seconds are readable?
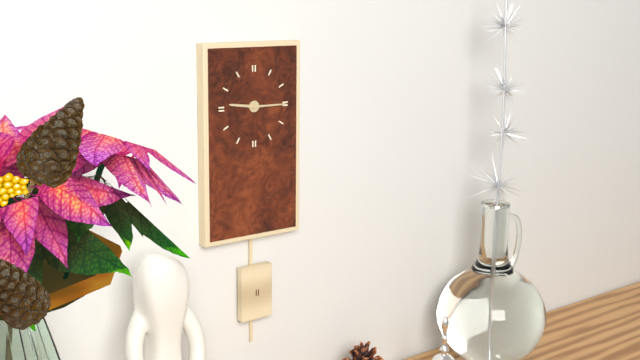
**9:15**
